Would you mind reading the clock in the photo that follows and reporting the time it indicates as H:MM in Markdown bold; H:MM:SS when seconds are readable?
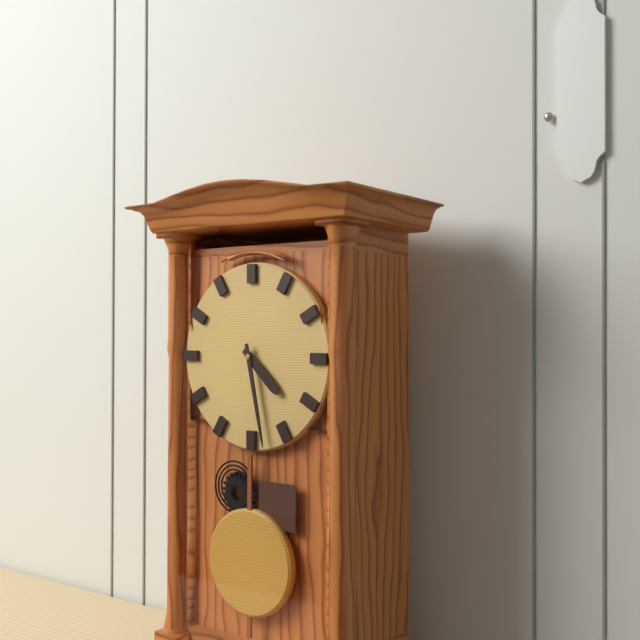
**4:28**
